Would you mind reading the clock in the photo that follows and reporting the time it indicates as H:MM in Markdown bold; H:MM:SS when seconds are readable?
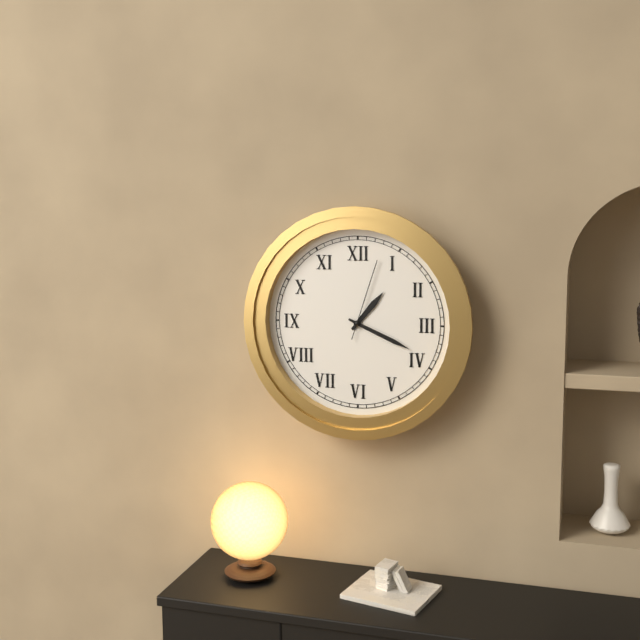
**1:19:03**
